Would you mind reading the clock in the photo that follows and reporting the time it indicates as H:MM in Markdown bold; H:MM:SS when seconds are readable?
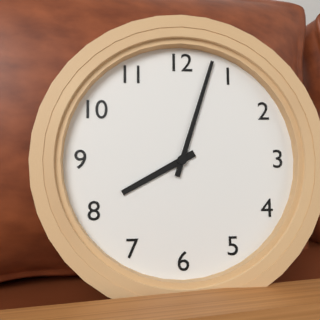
**8:03**
